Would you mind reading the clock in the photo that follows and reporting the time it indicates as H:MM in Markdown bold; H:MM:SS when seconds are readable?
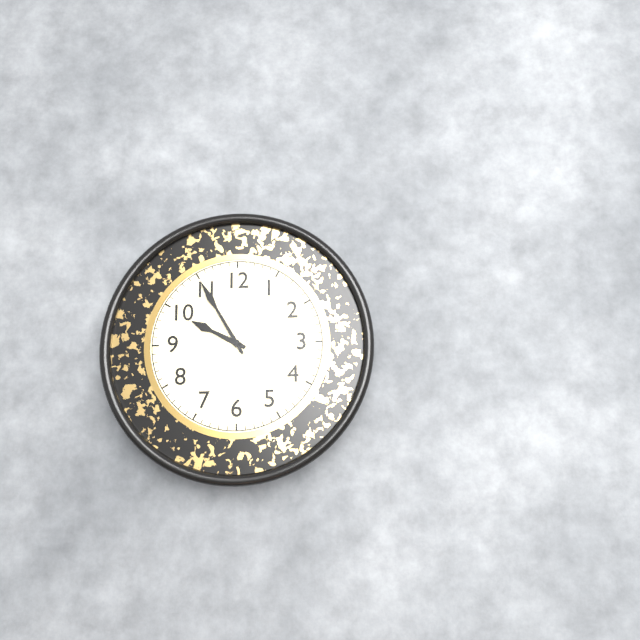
**9:55**
